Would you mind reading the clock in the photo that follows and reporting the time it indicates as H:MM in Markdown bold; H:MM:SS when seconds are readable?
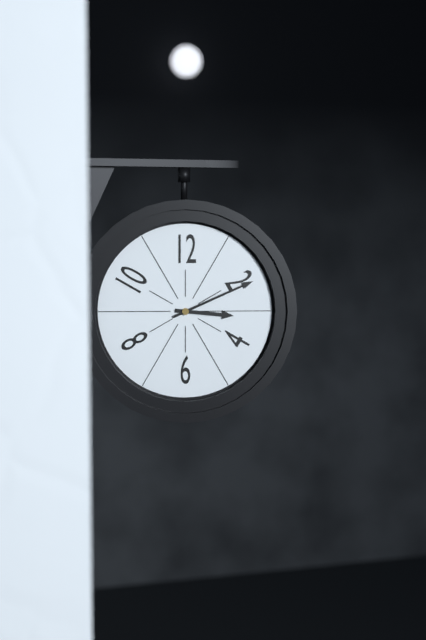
**3:11**
